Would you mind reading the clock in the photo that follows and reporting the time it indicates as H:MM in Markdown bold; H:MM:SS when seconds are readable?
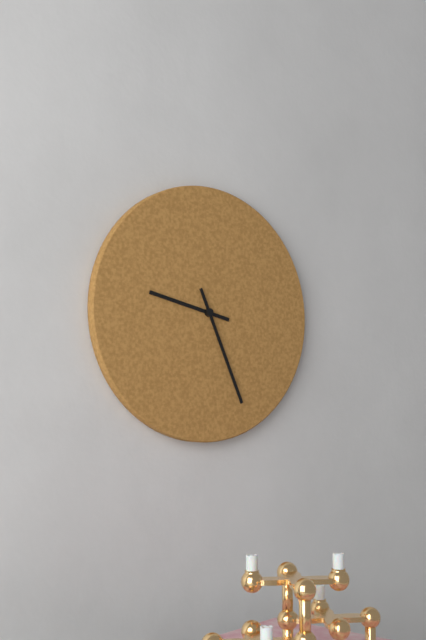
**9:26**
